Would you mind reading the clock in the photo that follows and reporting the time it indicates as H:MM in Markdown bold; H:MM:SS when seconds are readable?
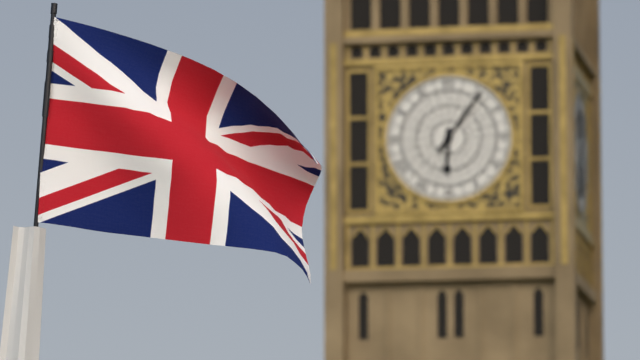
**6:06**
